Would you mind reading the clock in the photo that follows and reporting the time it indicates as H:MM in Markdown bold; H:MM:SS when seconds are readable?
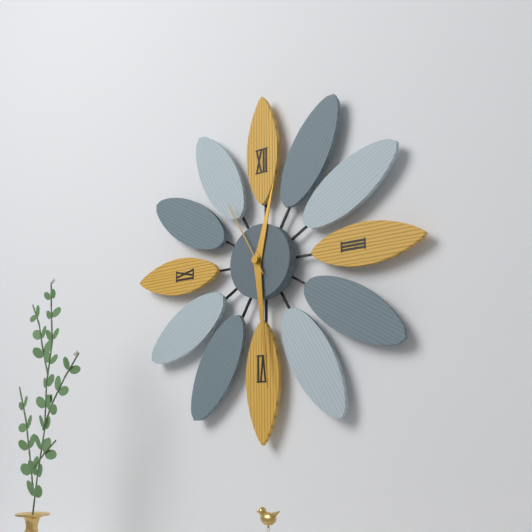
**12:29:55**
